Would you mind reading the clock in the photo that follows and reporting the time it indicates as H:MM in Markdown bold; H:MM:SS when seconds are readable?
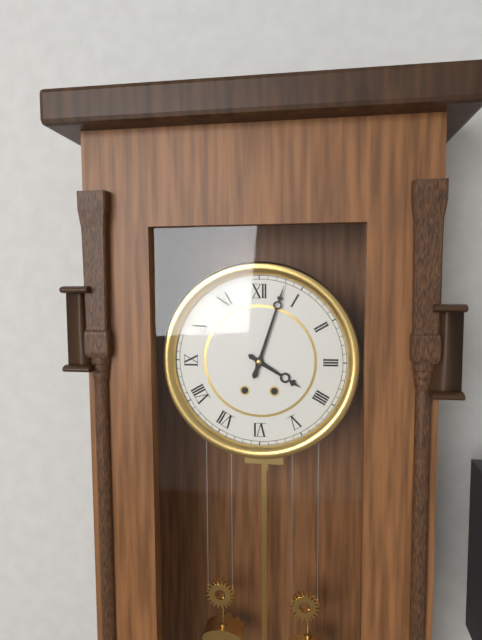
**4:03**
